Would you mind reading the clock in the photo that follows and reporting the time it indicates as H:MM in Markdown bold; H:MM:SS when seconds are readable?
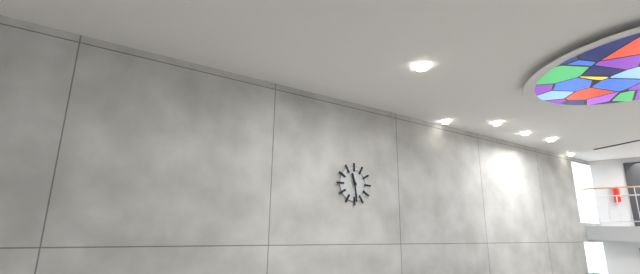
**11:29**
